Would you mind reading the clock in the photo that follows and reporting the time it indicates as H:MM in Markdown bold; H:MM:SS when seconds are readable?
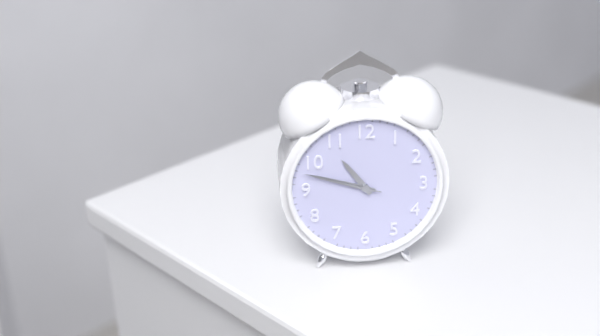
**10:48:48**
